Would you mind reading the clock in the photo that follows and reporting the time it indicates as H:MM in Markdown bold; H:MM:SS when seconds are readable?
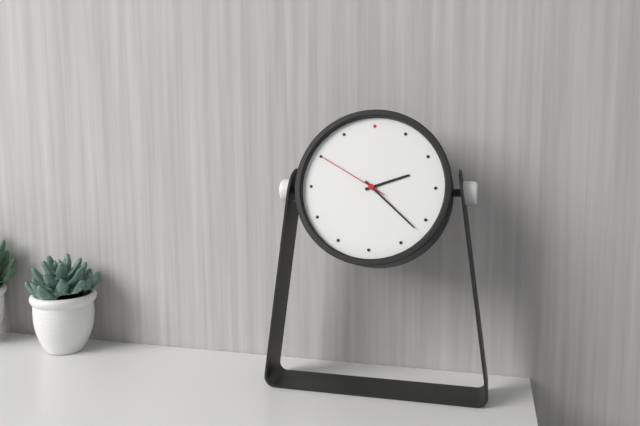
**2:22:50**
